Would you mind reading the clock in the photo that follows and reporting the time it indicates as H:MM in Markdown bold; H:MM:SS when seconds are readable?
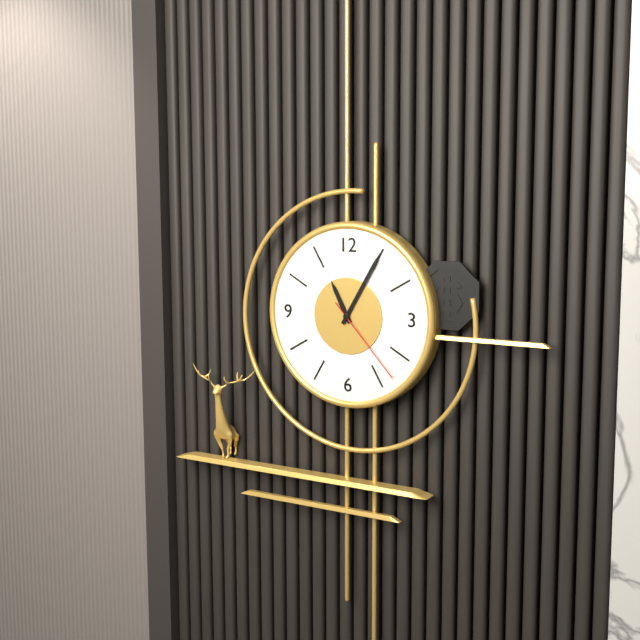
**11:05:23**
